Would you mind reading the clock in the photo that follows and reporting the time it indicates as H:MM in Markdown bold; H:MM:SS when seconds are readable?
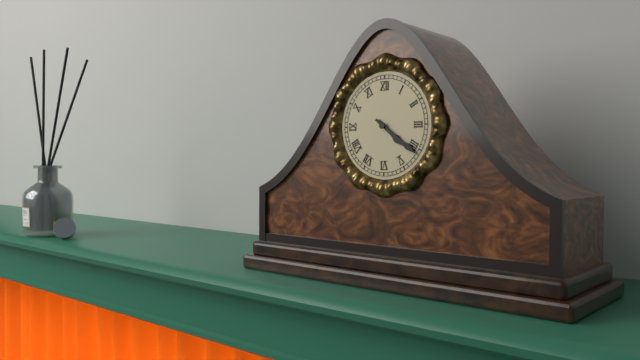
**4:21**
